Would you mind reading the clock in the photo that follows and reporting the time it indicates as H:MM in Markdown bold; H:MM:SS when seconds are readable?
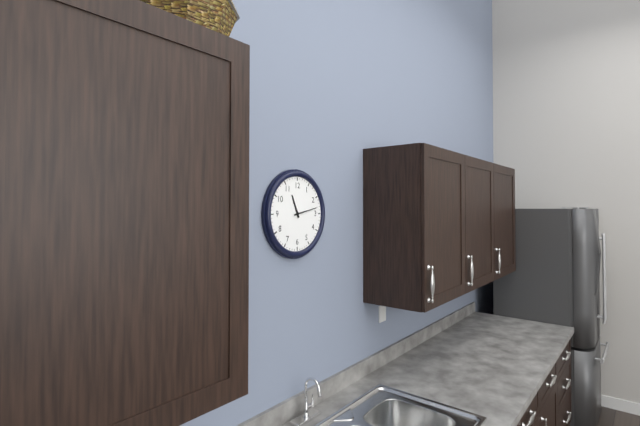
**11:13**
